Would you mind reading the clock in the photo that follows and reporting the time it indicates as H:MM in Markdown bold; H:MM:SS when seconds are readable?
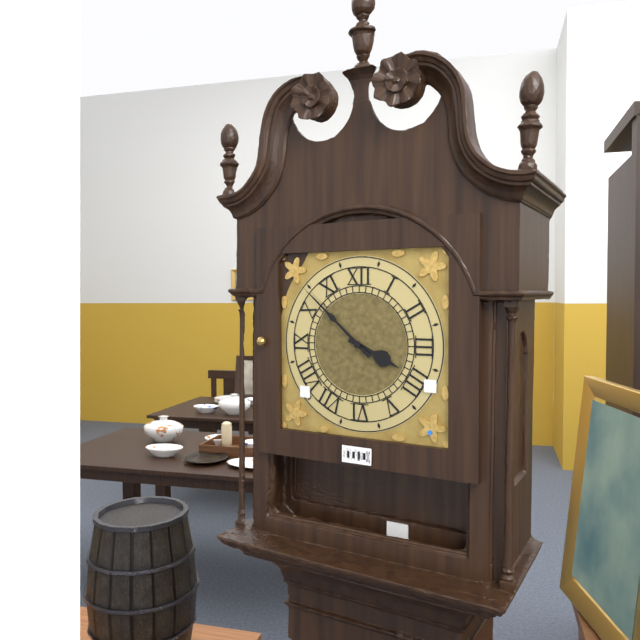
**3:52**
